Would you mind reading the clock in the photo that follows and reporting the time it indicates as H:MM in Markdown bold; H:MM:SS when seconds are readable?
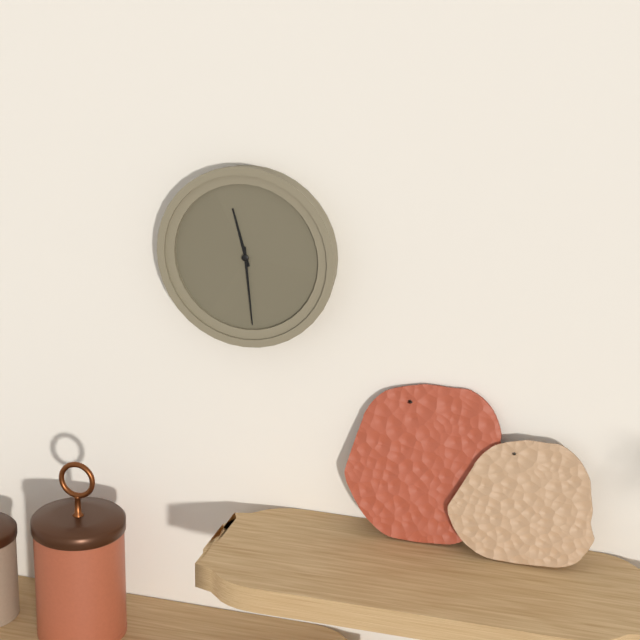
**11:29**
